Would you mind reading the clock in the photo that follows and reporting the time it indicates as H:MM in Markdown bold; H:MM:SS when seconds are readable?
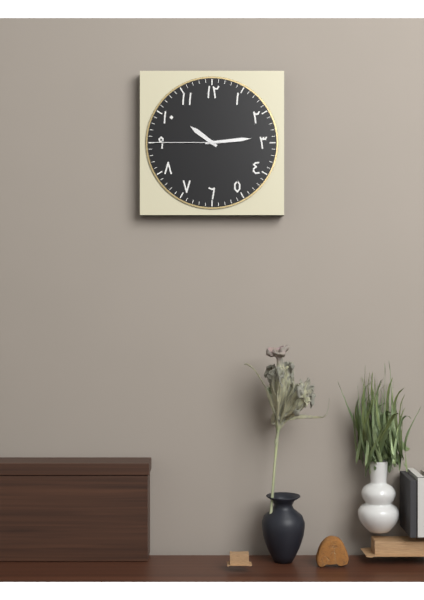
**10:14:45**
